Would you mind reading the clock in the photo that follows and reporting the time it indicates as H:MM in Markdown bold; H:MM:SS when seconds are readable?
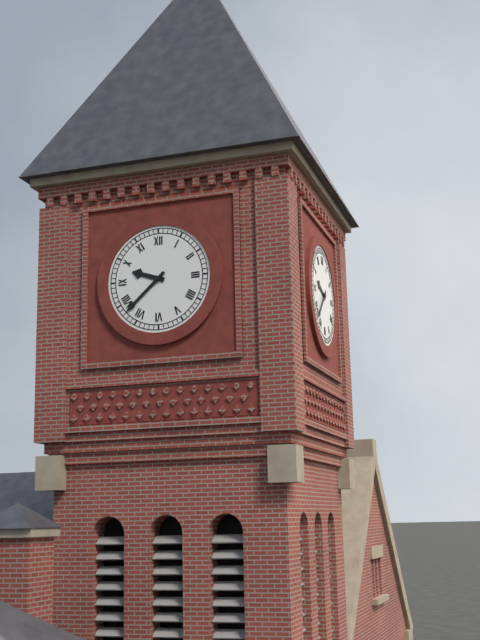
**9:38**
